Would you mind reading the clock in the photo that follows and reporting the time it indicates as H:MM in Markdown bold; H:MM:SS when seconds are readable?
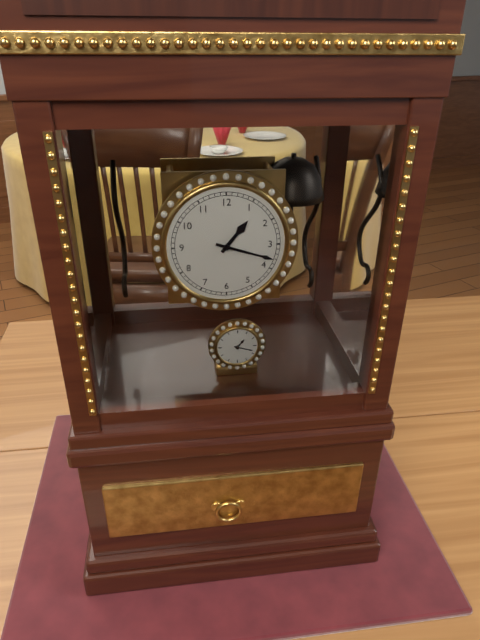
**1:18**
